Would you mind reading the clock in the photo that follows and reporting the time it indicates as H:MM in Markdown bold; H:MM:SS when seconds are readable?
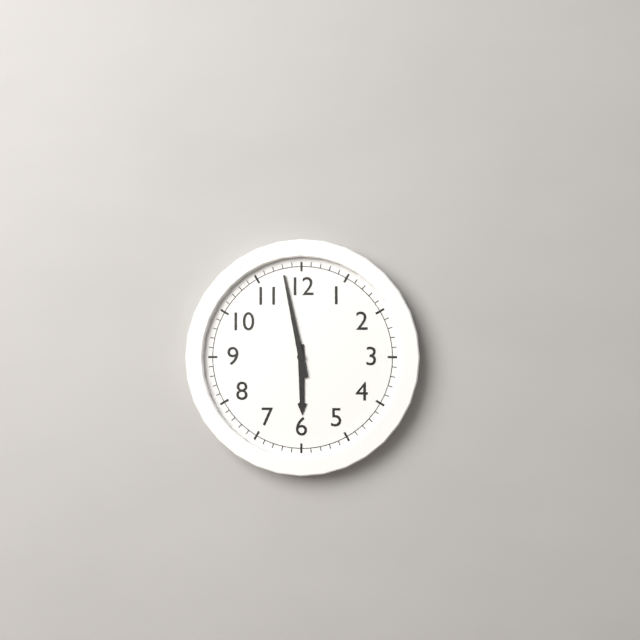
**5:58**
